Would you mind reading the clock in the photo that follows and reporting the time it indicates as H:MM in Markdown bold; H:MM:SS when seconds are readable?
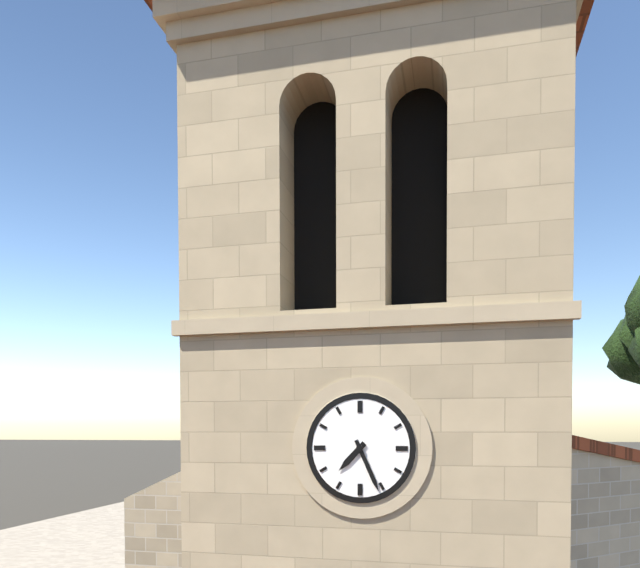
**7:26**
